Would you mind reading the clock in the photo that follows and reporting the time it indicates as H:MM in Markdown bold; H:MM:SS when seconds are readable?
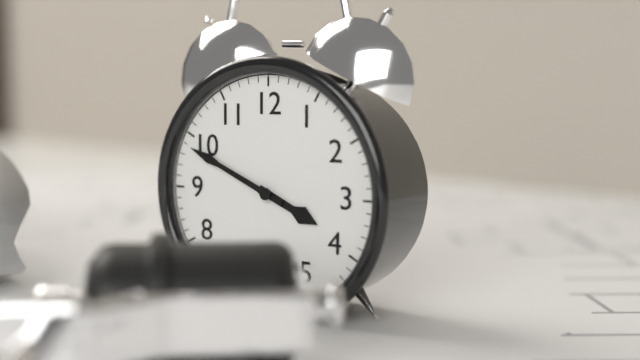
**3:49**
